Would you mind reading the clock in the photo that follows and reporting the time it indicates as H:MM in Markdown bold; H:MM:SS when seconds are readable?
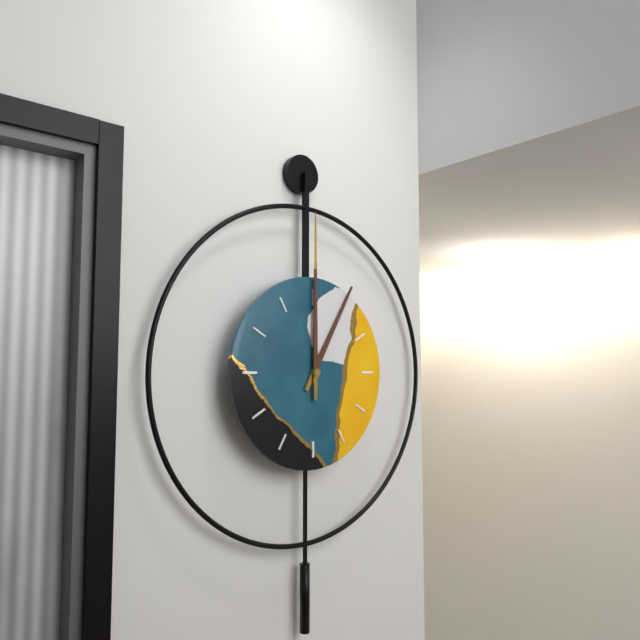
**1:00**
